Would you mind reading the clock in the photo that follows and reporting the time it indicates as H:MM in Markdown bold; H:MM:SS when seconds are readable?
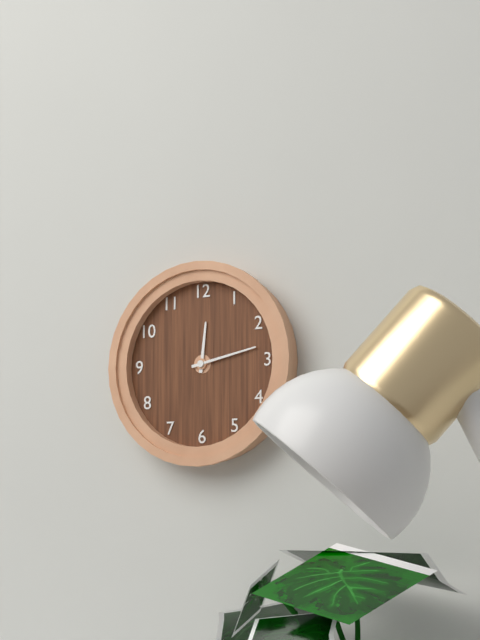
**12:13**
